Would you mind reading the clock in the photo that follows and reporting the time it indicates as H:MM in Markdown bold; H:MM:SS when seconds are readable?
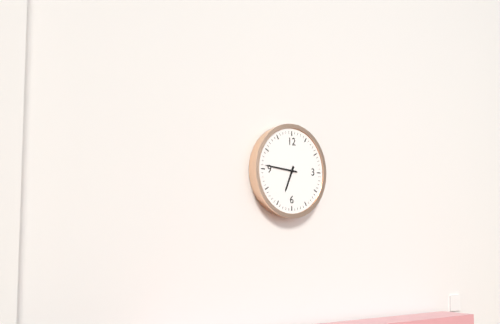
**6:46**
